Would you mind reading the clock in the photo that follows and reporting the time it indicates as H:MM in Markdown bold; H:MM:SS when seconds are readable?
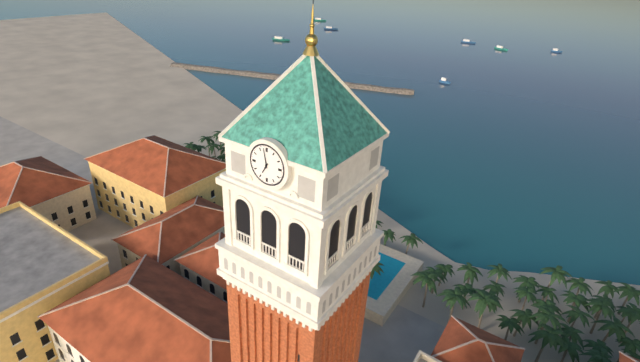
**6:58**
